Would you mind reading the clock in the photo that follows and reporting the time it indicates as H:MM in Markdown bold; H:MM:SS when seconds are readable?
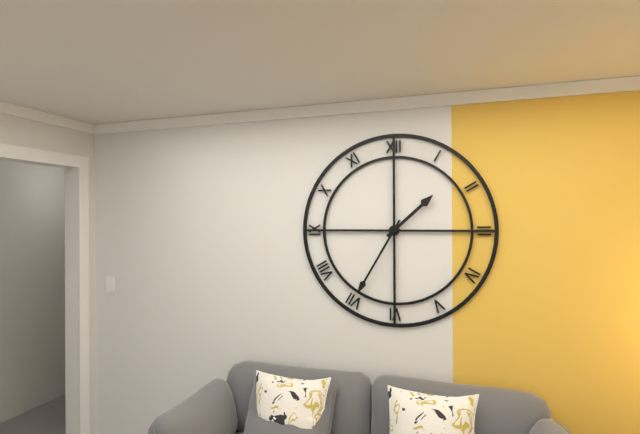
**1:35**
